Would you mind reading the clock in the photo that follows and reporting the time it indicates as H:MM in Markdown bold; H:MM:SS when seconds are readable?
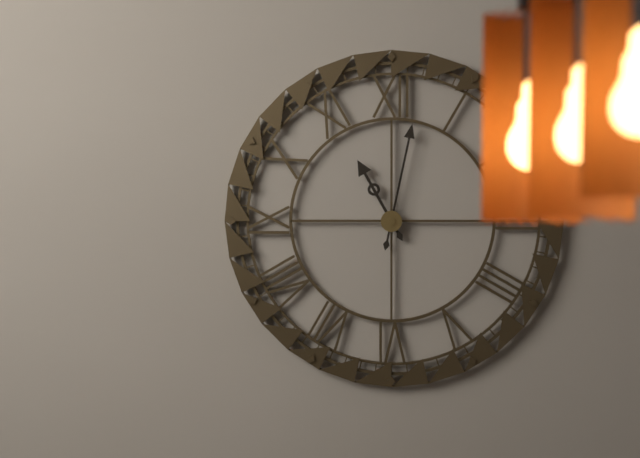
**11:02**
